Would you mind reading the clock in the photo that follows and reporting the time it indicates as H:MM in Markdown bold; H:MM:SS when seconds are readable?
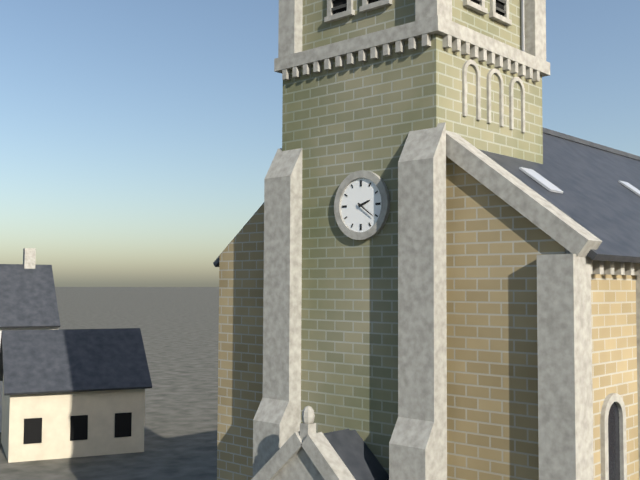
**2:21**
